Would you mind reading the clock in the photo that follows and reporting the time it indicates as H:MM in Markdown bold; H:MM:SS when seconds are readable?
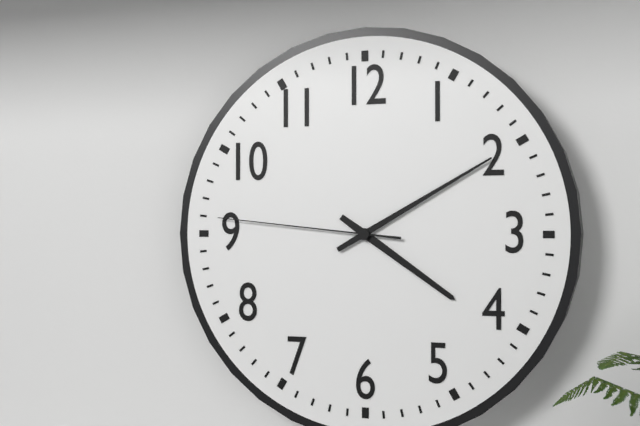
**4:10:46**
